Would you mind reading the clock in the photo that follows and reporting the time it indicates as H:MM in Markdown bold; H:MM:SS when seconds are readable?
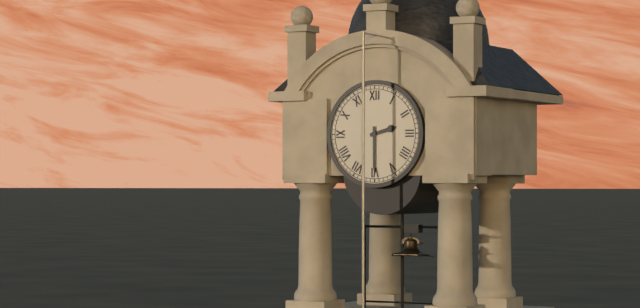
**2:30**
